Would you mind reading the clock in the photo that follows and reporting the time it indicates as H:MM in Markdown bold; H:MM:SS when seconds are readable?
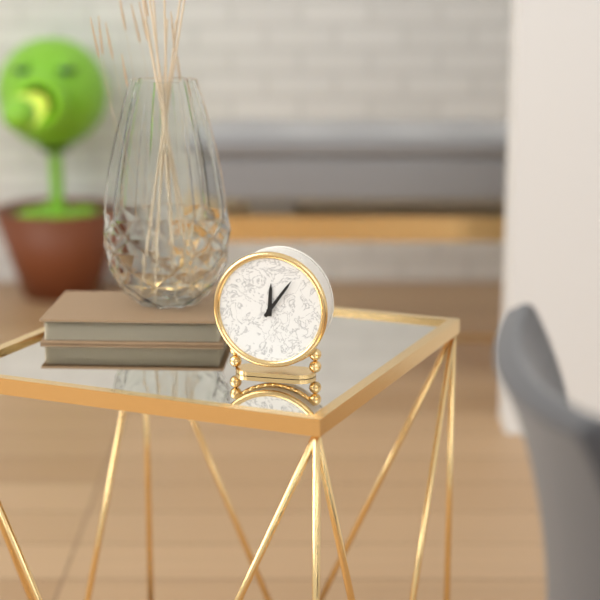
**12:06**
